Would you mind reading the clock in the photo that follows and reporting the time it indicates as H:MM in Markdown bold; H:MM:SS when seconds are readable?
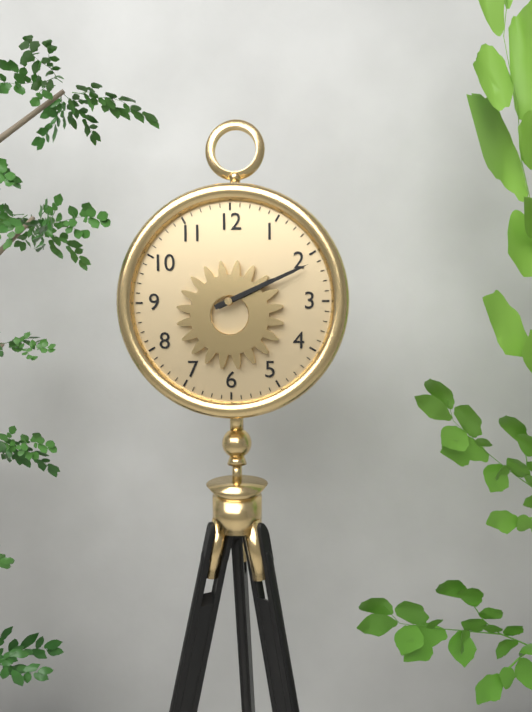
**2:11**
